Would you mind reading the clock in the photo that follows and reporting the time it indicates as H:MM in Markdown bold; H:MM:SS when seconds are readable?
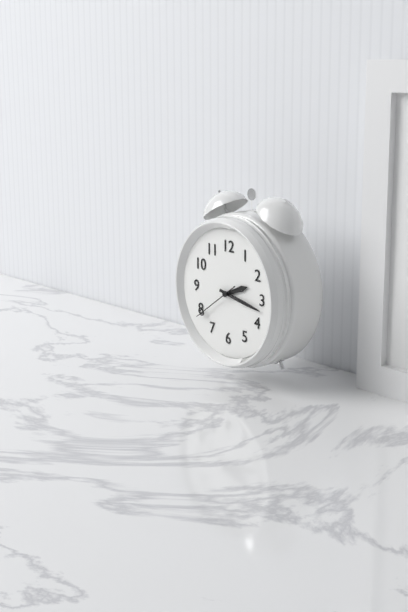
**2:17**
